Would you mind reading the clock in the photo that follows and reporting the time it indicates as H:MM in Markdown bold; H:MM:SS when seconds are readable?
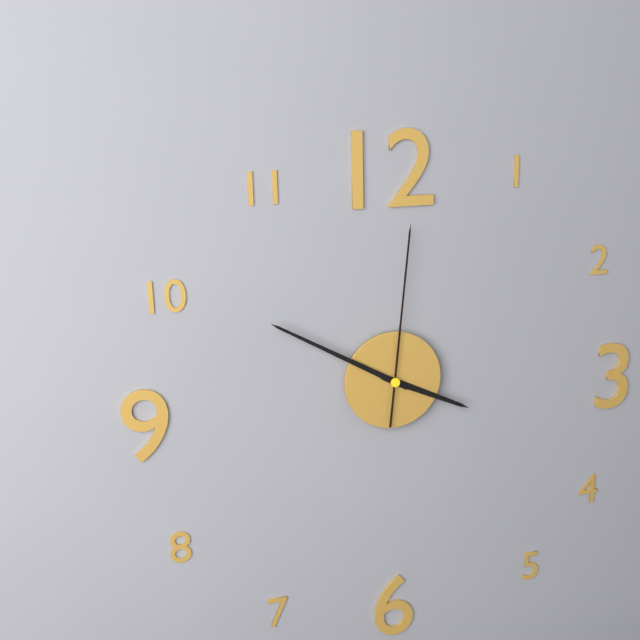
**3:50:01**
